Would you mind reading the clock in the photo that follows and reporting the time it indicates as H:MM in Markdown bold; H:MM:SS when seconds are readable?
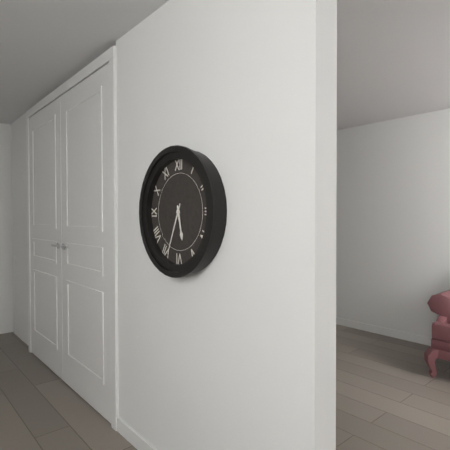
**5:34**
